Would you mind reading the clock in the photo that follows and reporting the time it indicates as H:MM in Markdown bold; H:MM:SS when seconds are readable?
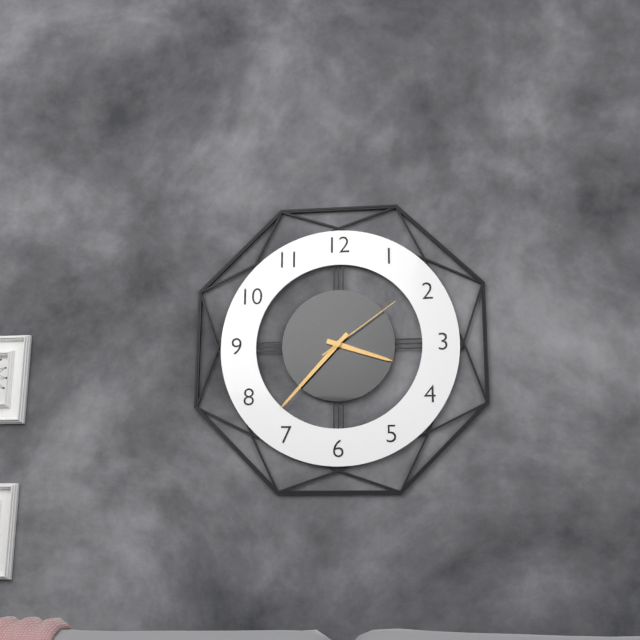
**3:37:09**
